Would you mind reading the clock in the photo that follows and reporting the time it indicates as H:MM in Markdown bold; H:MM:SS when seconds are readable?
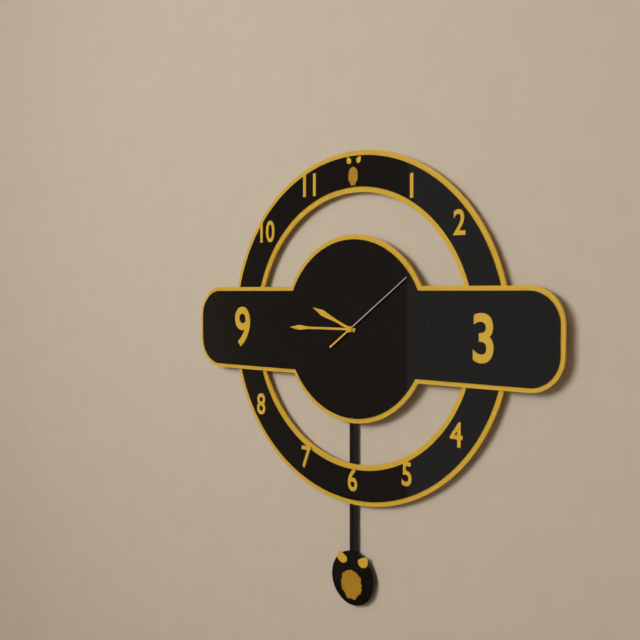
**9:45:09**
